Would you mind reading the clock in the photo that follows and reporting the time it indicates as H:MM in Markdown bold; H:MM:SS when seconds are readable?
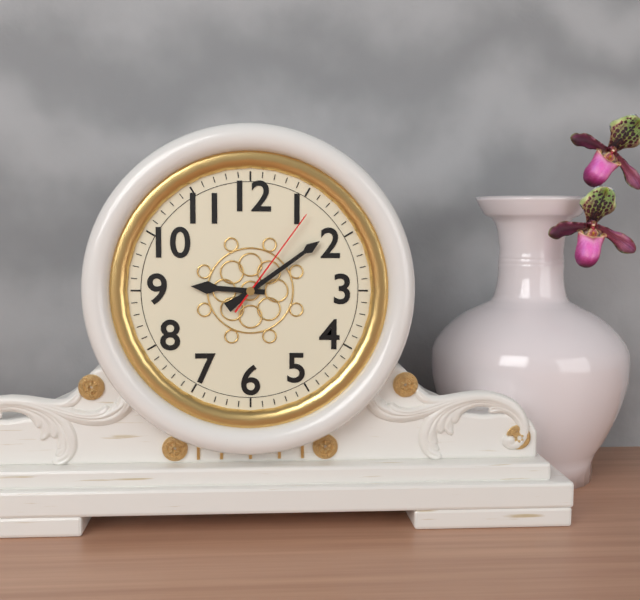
**9:09:06**
